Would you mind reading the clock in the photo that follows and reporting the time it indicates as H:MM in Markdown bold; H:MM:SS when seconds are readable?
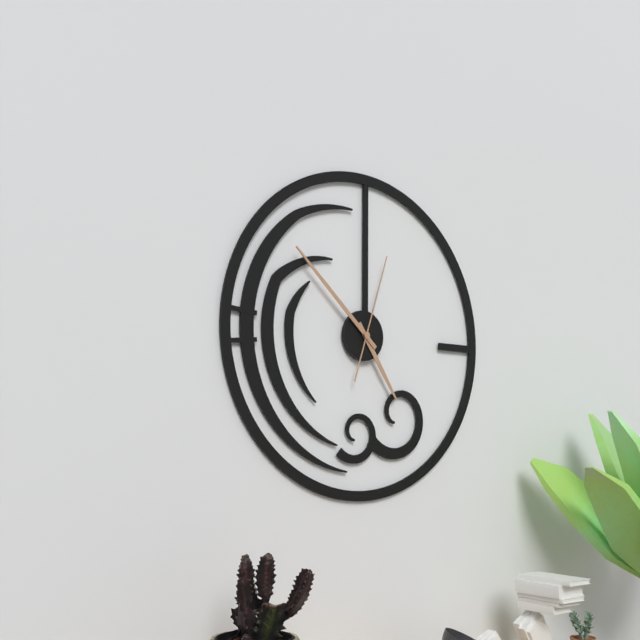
**4:52:03**
